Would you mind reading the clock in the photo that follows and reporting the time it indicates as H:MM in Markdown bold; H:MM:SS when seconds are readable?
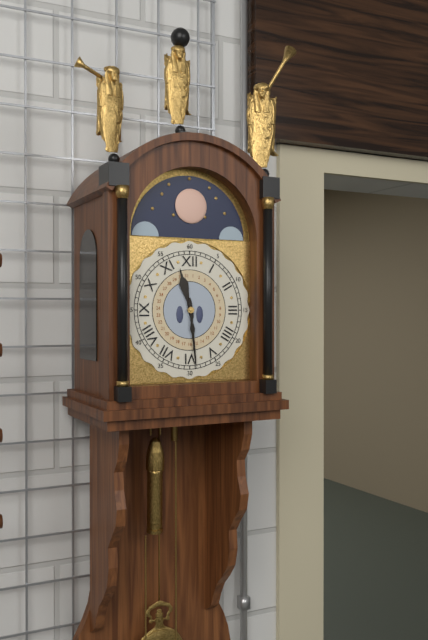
**11:29**
